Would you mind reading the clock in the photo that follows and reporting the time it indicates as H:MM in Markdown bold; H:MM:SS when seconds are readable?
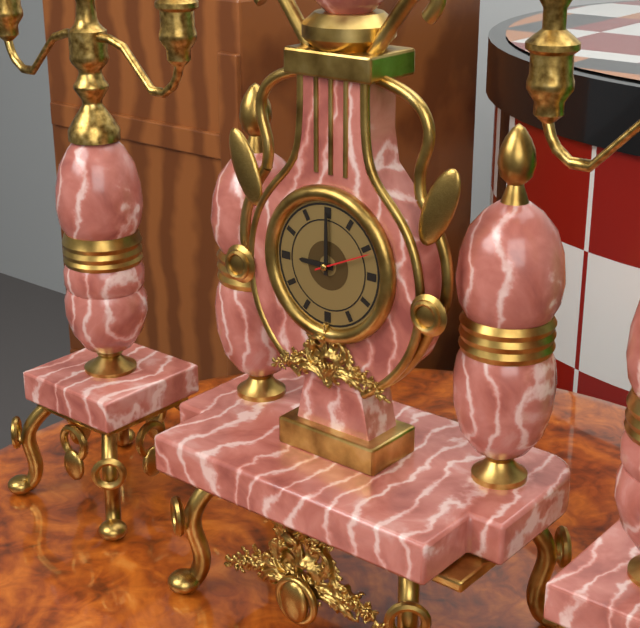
**9:00:11**
